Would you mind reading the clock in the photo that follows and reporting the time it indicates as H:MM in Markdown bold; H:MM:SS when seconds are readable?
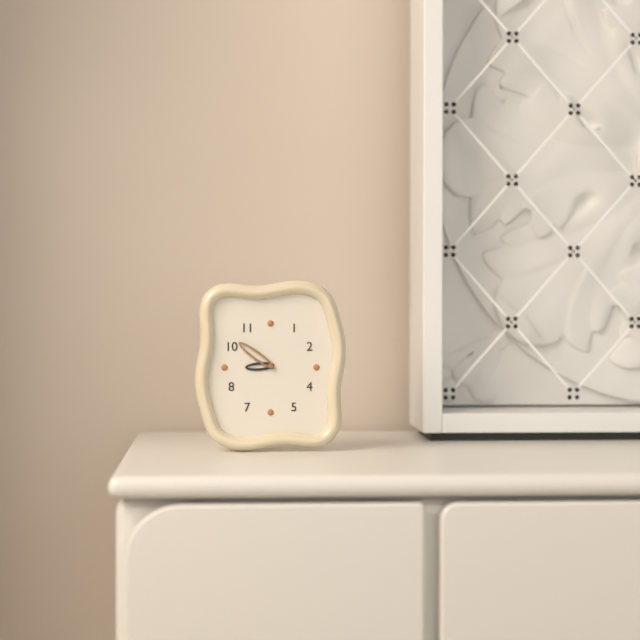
**8:51**
